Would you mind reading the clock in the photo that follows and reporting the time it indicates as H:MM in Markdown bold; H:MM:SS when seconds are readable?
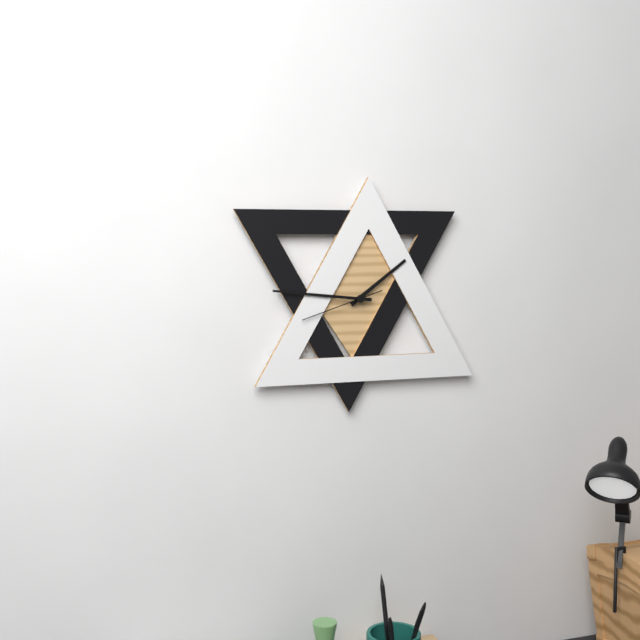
**1:46:42**
